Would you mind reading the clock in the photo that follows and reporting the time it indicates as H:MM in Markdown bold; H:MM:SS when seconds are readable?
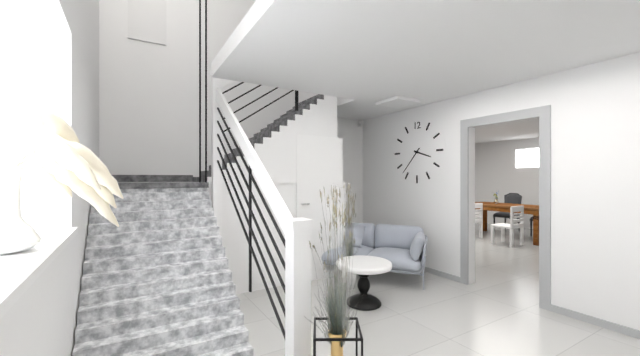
**3:37**
